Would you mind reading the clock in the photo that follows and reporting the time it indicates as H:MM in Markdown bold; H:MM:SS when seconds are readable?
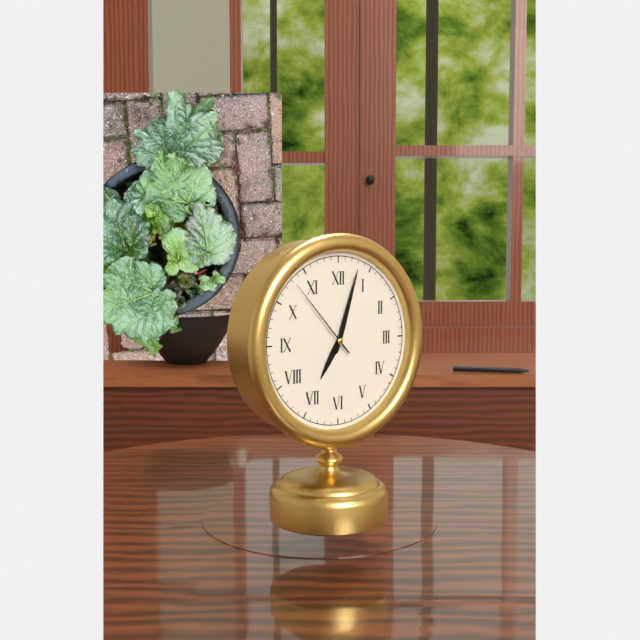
**7:03:53**
